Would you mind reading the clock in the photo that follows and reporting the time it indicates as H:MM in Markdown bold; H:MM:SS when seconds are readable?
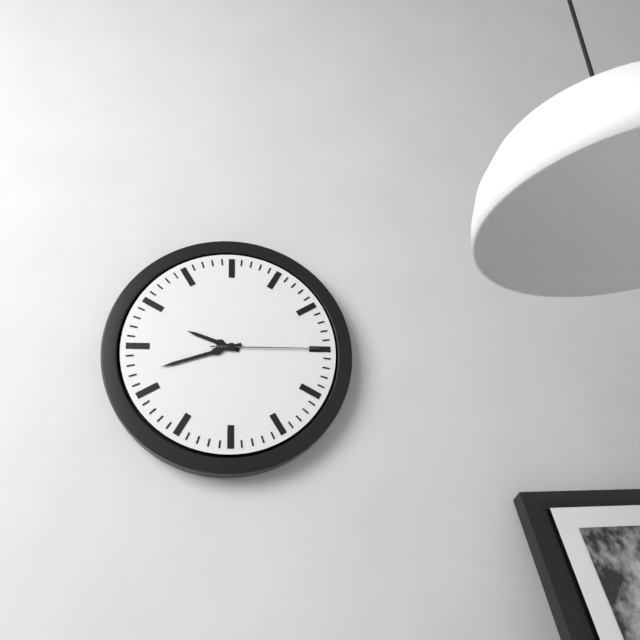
**9:42:15**
